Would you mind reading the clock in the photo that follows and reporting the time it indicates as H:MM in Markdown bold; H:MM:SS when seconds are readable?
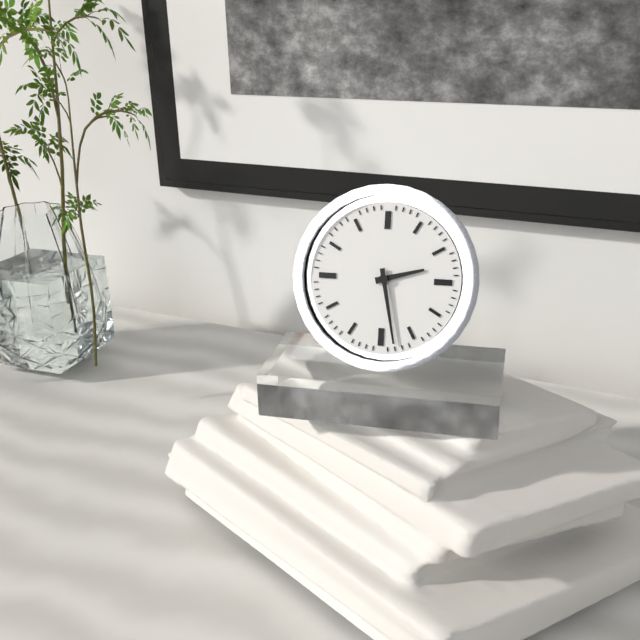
**2:28**
